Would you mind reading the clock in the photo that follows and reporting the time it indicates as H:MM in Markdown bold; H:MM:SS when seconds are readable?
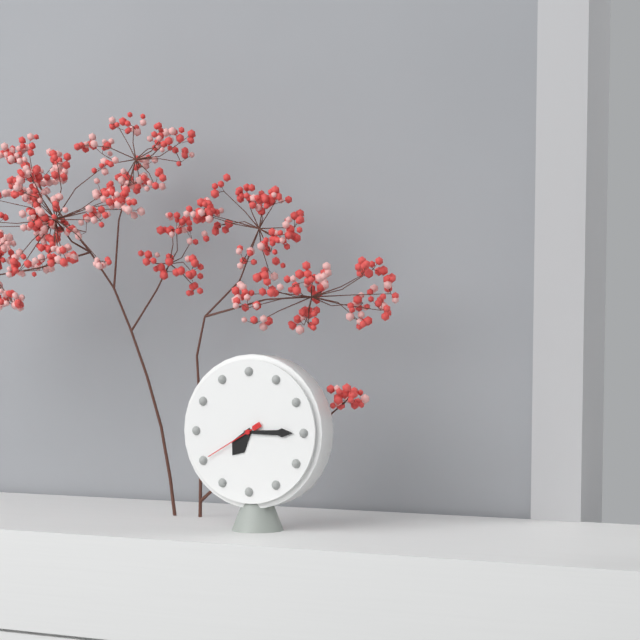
**7:15:40**
